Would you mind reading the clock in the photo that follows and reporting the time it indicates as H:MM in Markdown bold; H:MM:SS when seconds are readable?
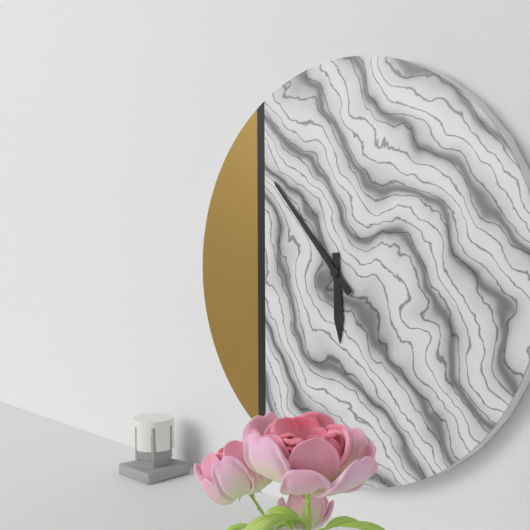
**5:53**
